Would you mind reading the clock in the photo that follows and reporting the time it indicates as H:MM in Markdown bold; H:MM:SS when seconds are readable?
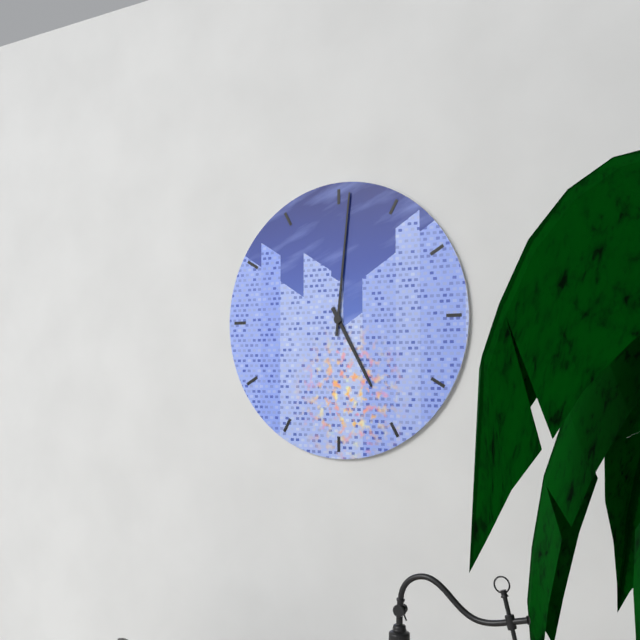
**5:01**
